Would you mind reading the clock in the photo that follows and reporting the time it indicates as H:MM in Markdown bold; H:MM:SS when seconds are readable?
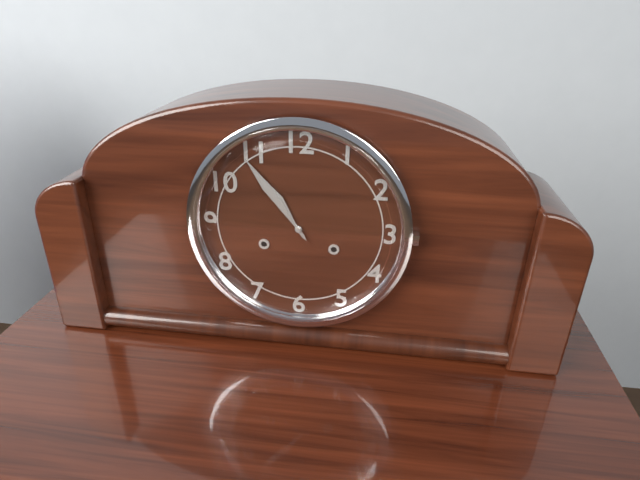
**10:54**
